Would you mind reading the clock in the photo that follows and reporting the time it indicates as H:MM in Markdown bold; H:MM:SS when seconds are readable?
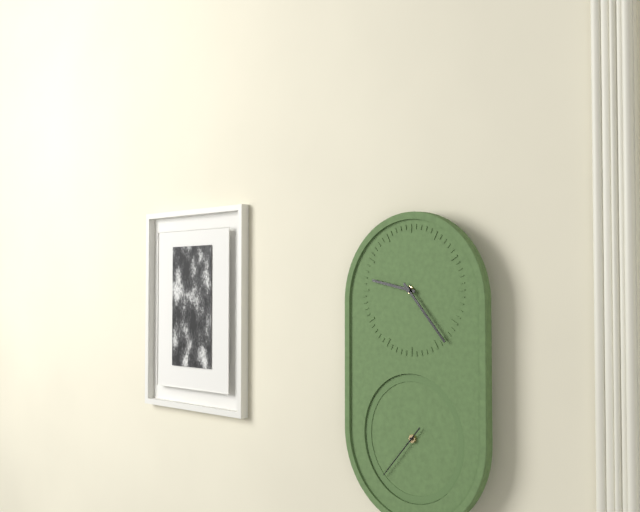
**9:23:37**
